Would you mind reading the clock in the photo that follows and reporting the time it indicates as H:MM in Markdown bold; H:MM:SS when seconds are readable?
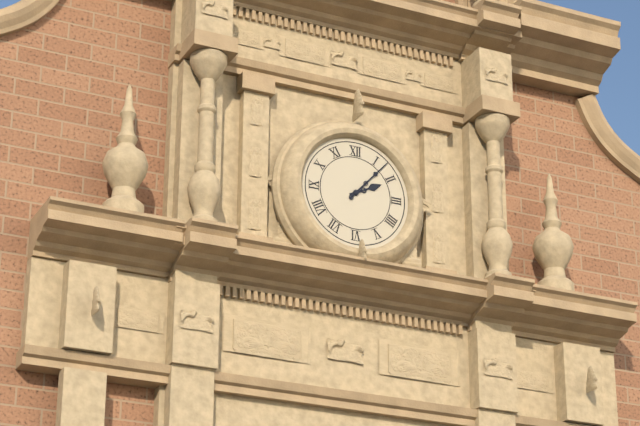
**2:07**
